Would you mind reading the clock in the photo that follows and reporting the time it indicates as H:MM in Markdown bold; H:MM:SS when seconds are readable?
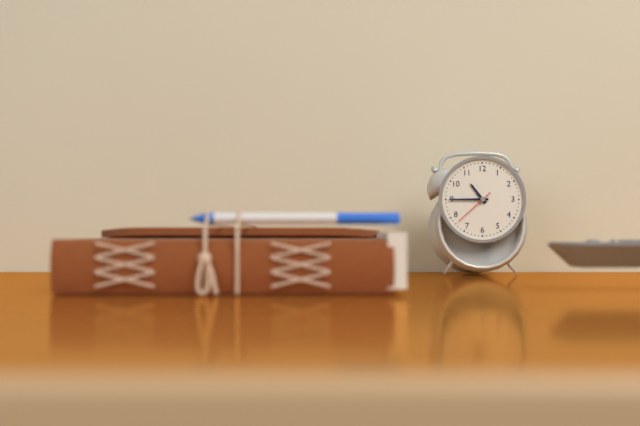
**10:45**
